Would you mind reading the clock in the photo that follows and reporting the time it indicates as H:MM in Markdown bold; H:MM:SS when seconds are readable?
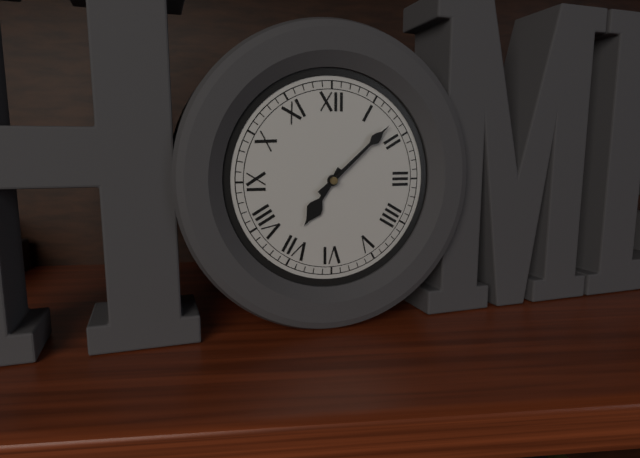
**7:08**
